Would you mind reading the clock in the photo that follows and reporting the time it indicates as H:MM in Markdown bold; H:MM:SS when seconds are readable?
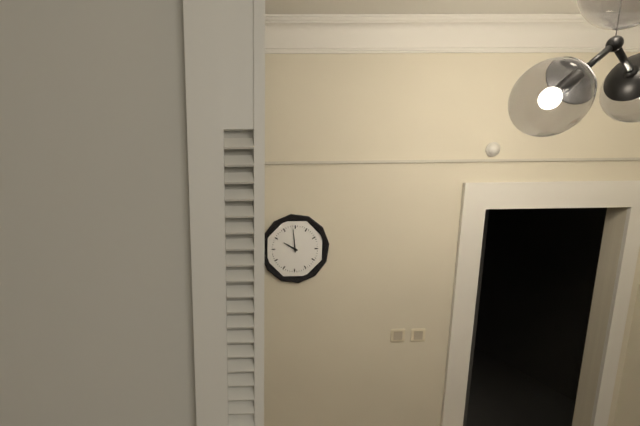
**9:59**
